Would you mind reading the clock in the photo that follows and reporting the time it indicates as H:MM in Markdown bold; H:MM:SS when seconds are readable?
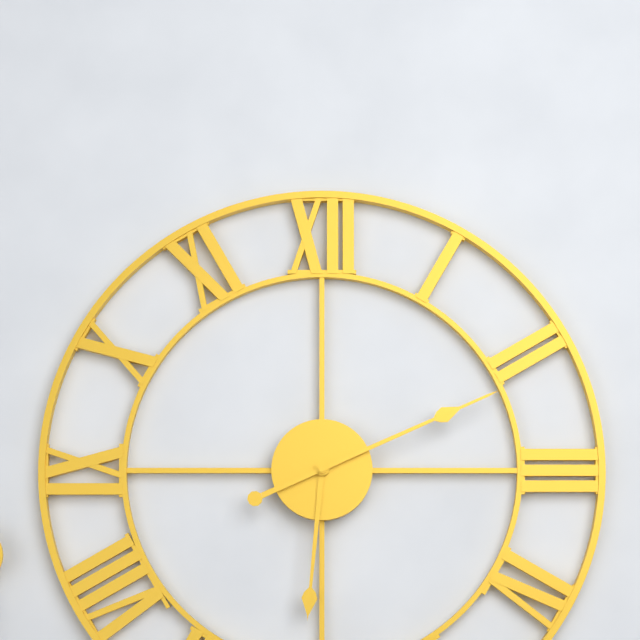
**6:11**
